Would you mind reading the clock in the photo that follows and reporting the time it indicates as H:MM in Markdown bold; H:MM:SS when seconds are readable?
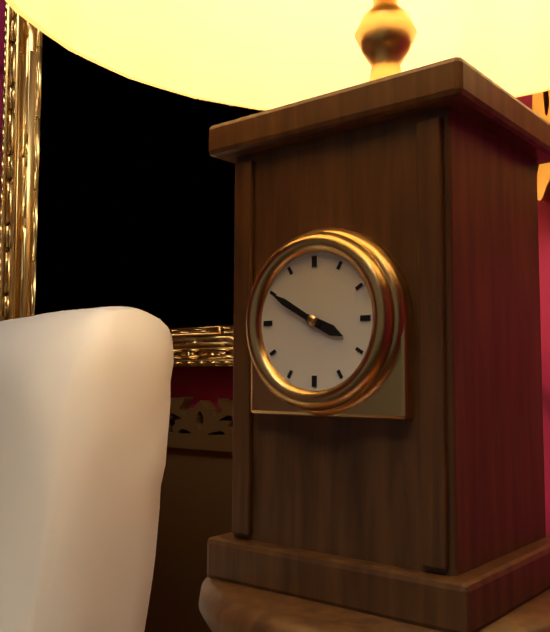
**3:50**
